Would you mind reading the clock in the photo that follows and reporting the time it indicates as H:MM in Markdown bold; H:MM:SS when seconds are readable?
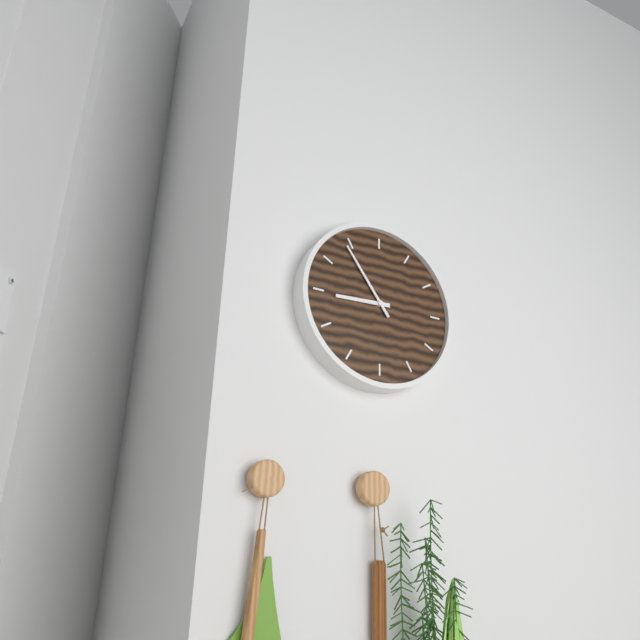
**8:54**
